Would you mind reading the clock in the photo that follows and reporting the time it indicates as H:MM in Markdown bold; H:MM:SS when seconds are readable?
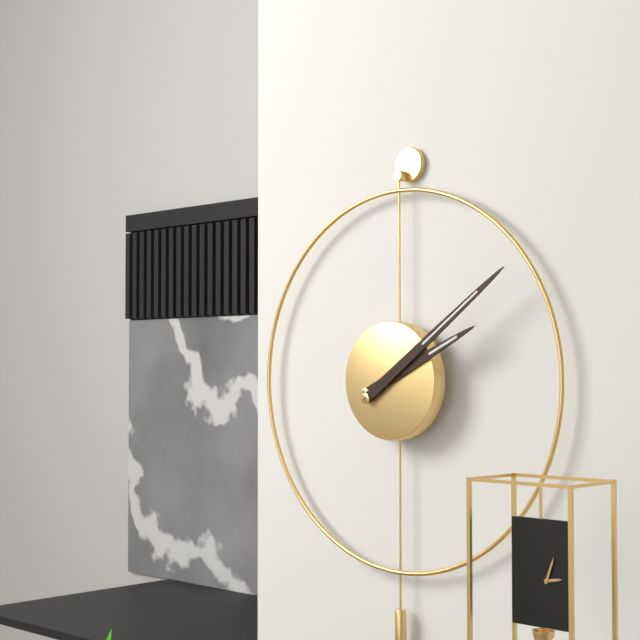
**2:09**
